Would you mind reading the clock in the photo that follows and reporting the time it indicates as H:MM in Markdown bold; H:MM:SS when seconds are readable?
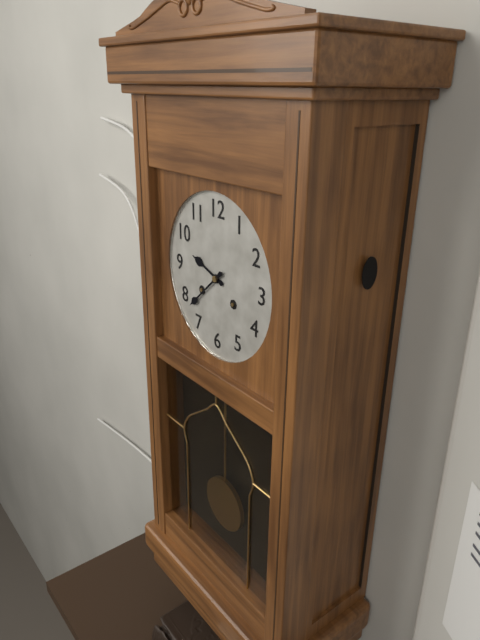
**9:38**
